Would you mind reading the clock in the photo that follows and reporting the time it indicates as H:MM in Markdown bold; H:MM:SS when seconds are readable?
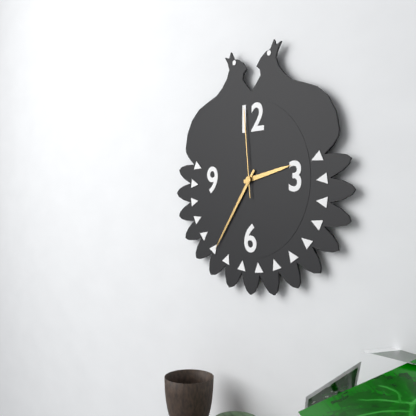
**2:36:59**
